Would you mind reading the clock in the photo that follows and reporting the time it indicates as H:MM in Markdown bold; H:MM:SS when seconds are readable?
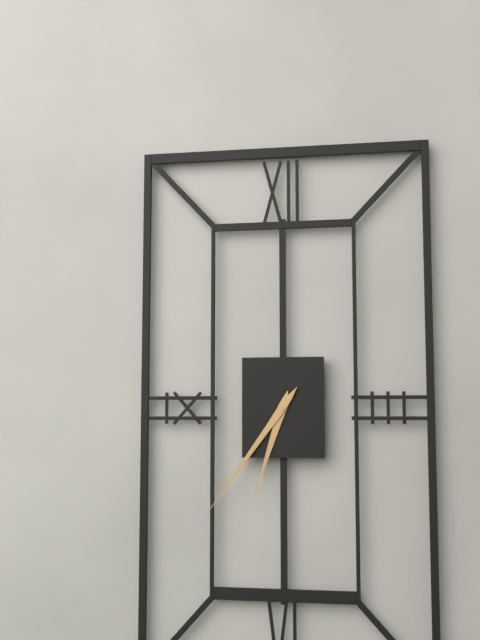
**6:36**
